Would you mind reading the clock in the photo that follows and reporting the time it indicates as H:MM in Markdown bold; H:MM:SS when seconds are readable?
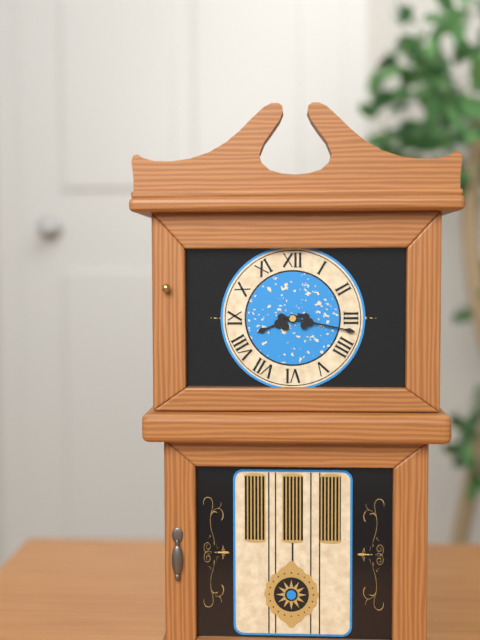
**8:17**
